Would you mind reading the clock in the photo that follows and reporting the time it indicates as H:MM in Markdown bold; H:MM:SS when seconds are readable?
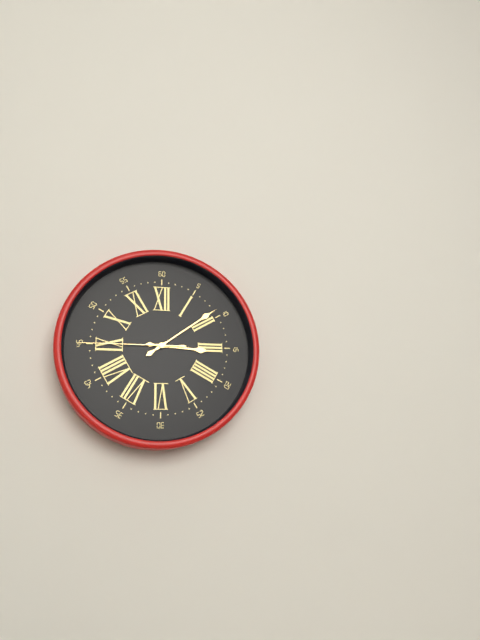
**3:09:45**
